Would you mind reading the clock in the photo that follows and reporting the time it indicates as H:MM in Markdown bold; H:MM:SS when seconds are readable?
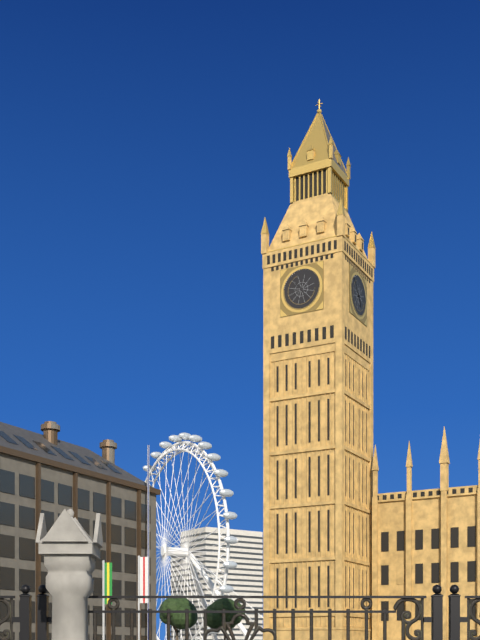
**4:53**
